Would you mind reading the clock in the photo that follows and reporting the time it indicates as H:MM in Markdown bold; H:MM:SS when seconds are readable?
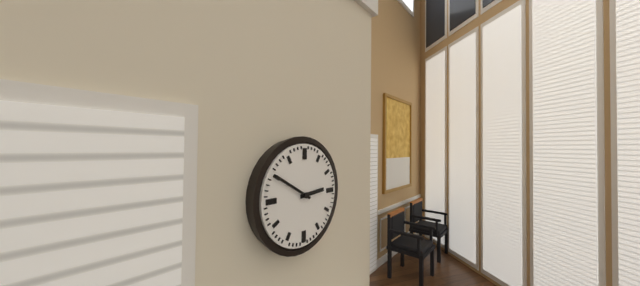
**2:50**
